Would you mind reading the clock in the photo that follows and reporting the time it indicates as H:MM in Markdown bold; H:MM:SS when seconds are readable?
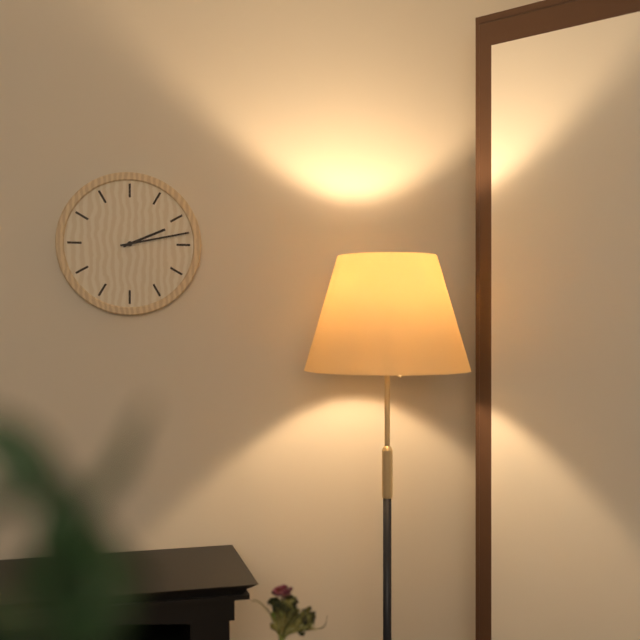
**2:13**
